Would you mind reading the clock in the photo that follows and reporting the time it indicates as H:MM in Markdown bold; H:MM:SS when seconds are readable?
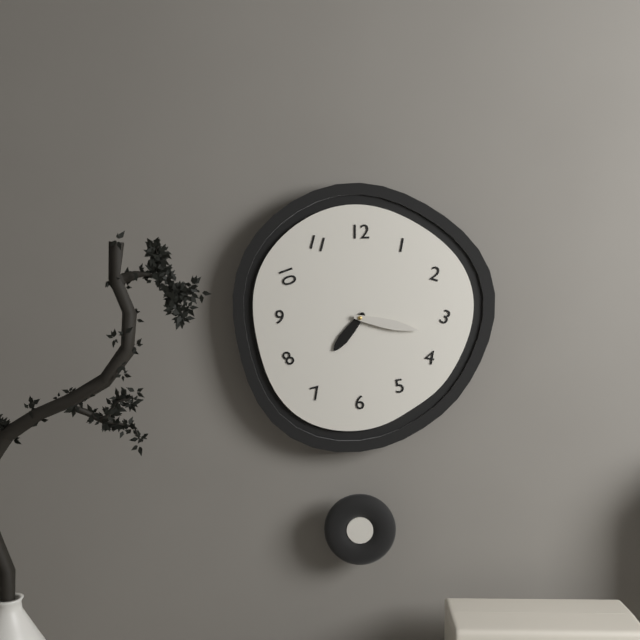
**7:17**
